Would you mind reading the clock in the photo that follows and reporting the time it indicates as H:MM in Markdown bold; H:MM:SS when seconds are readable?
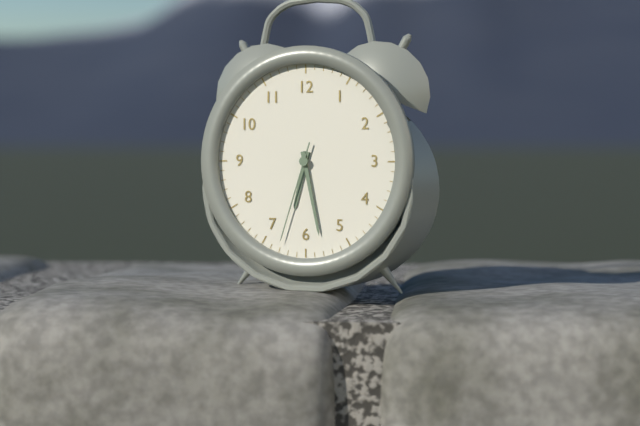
**6:28:33**
